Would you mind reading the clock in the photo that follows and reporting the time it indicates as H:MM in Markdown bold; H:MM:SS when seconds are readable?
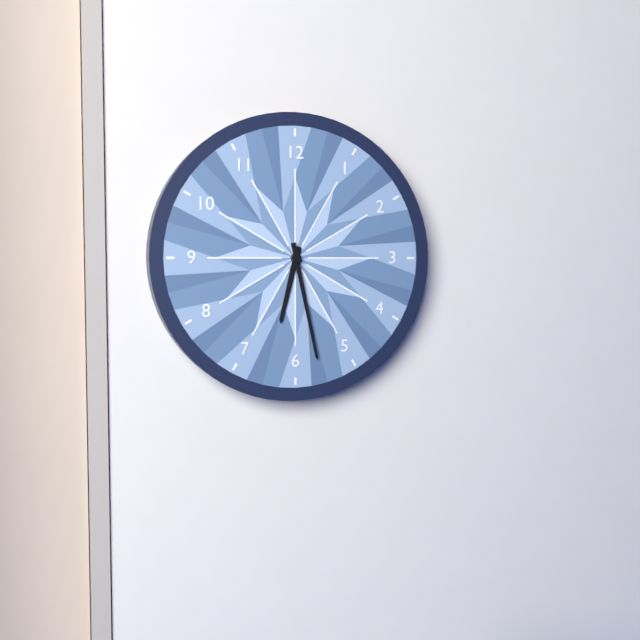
**6:28**
